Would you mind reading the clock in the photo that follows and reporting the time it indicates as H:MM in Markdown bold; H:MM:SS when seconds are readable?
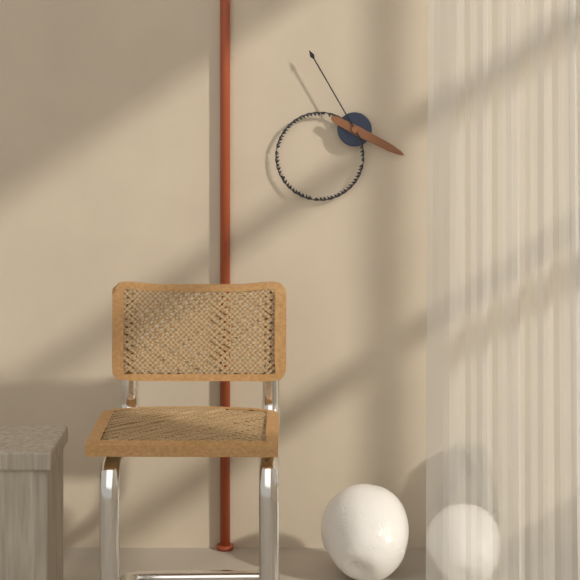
**3:55**
